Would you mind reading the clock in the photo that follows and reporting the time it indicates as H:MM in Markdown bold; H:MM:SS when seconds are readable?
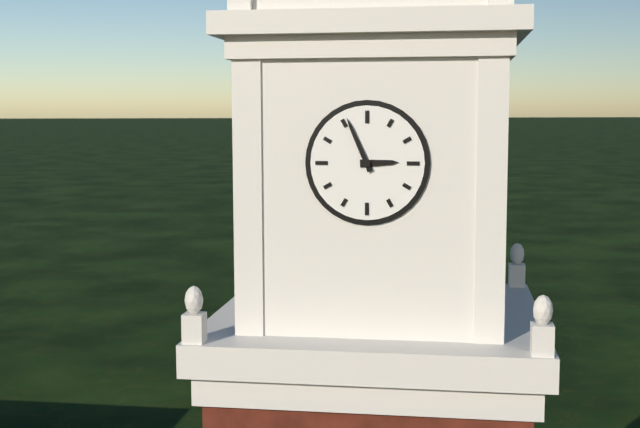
**2:56**
